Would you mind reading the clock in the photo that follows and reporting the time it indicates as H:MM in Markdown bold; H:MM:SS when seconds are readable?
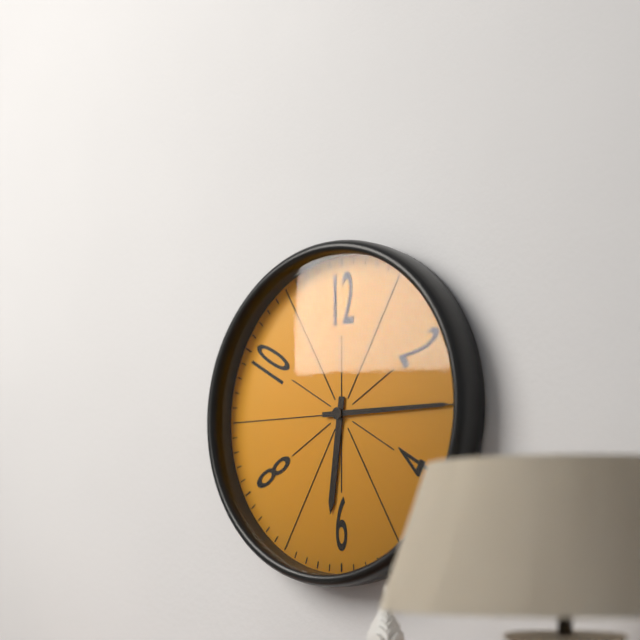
**6:15**
